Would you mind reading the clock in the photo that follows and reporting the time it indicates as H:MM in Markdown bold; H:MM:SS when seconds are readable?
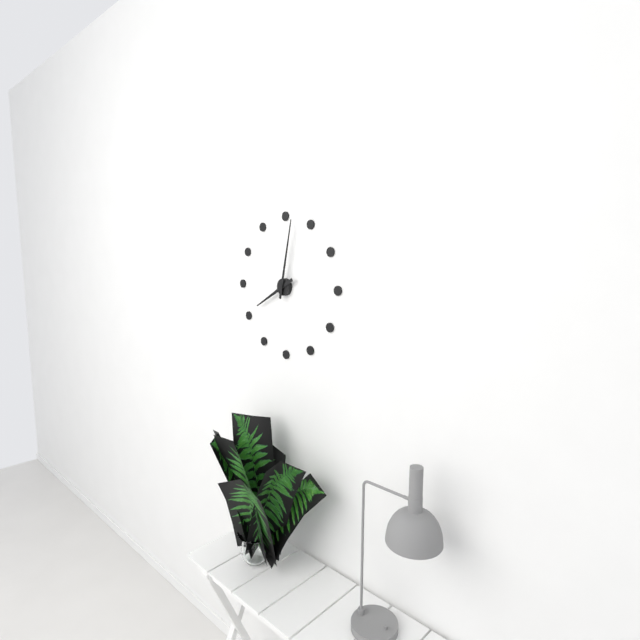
**8:02**
